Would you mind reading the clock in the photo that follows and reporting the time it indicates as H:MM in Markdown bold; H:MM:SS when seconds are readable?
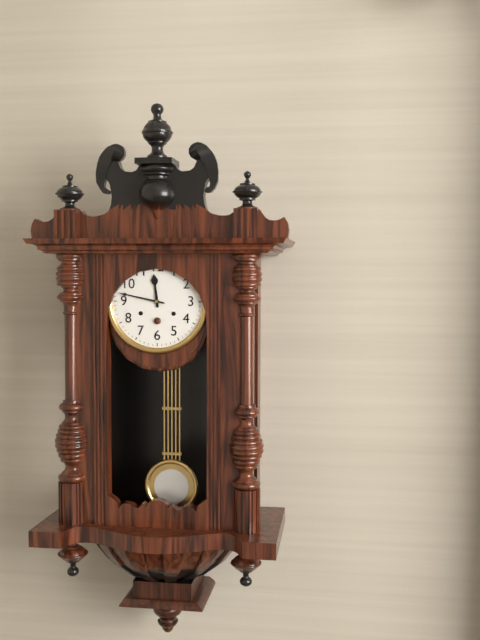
**11:47**
